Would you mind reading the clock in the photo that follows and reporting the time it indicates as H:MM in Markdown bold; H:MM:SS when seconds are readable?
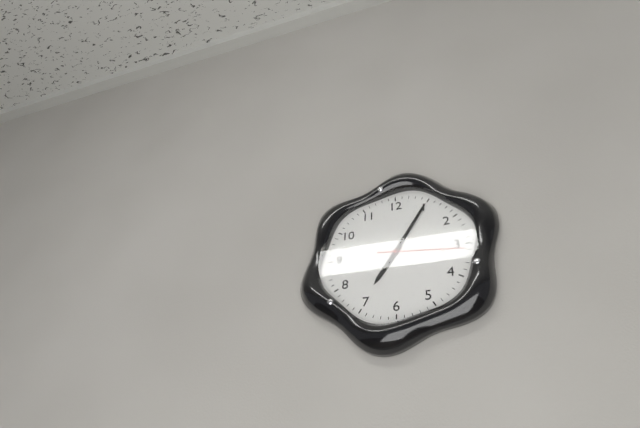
**7:05:16**
